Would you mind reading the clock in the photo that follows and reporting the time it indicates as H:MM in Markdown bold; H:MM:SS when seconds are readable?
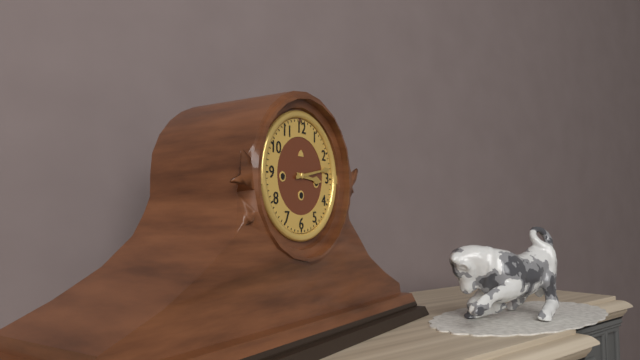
**3:13**
